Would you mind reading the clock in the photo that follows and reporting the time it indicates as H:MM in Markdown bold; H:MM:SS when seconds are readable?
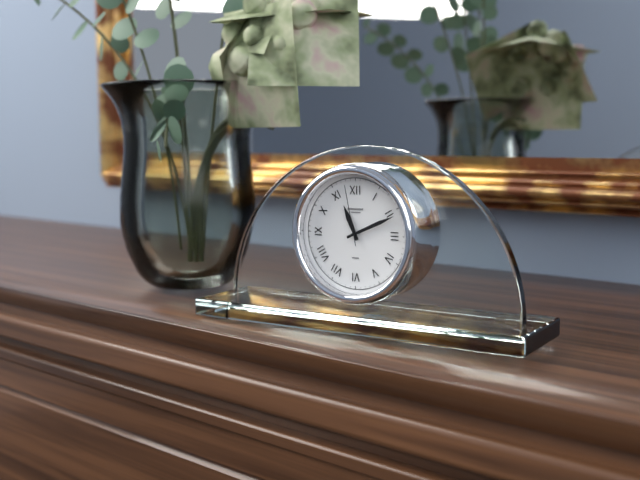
**11:11:58**
